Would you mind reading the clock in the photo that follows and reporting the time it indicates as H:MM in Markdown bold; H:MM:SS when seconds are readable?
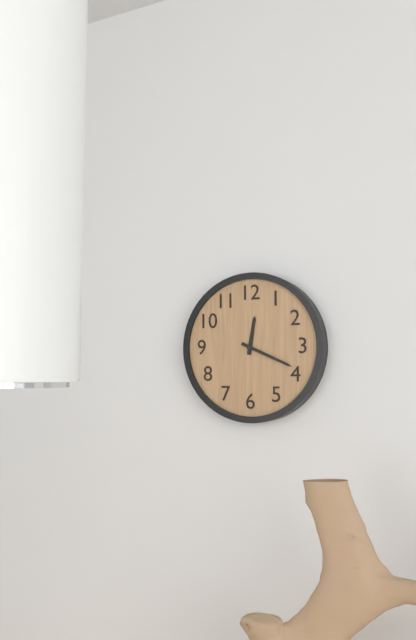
**12:19**
